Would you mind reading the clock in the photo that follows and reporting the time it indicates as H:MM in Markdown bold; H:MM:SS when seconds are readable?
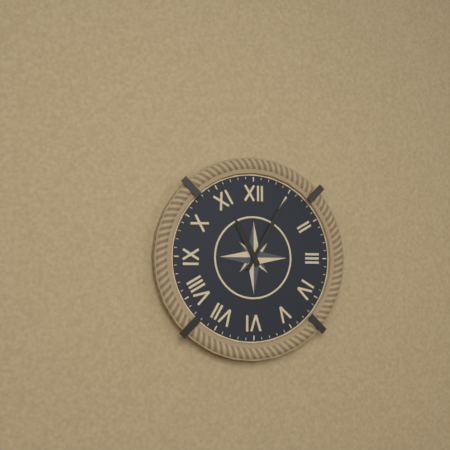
**11:05**
